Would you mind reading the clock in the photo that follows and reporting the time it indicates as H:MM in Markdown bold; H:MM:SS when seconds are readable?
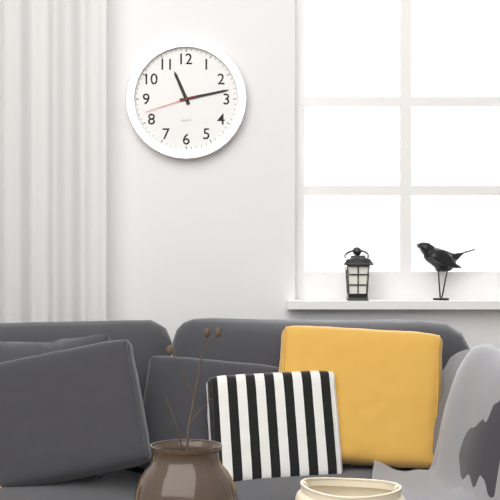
**11:13:42**
